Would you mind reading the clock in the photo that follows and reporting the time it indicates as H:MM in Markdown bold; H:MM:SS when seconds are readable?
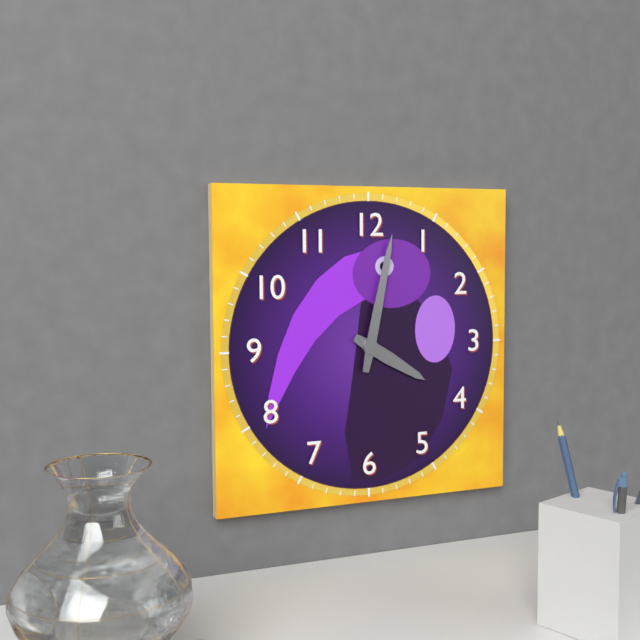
**4:02**
